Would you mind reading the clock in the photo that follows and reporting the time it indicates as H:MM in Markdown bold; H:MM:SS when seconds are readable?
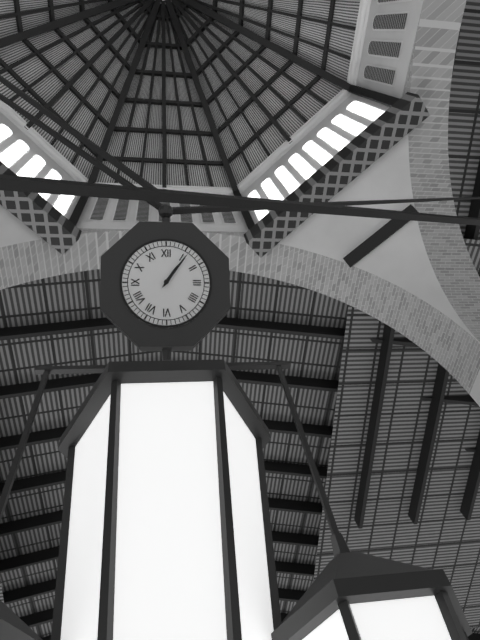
**1:06**
